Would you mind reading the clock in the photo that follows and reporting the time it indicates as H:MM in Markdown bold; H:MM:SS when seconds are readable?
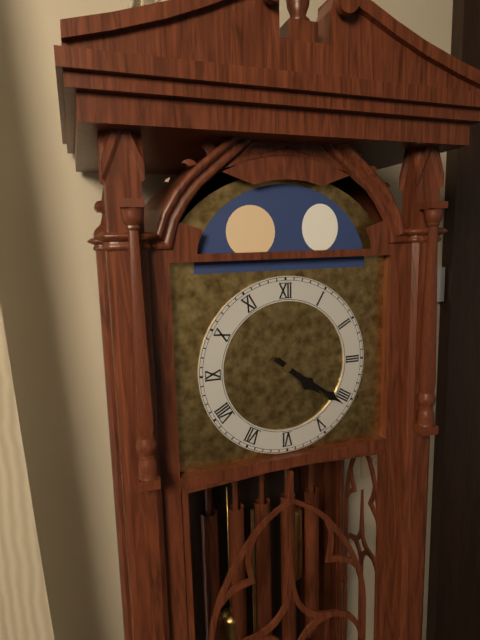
**4:21**
